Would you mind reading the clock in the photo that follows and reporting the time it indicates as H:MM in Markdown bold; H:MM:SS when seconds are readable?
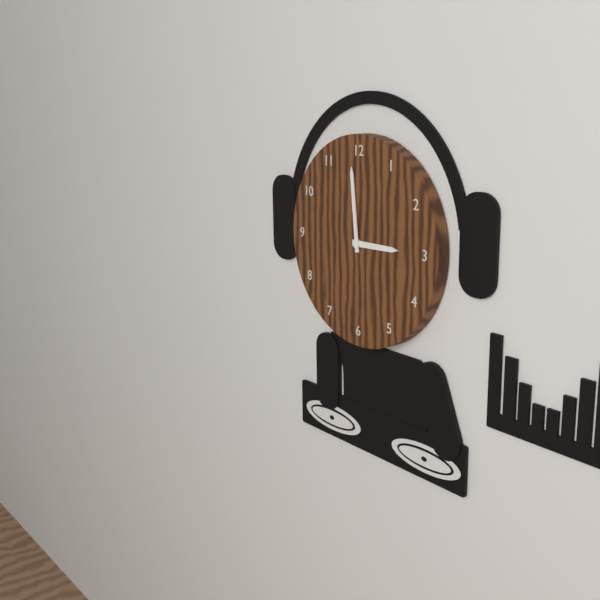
**2:59**
